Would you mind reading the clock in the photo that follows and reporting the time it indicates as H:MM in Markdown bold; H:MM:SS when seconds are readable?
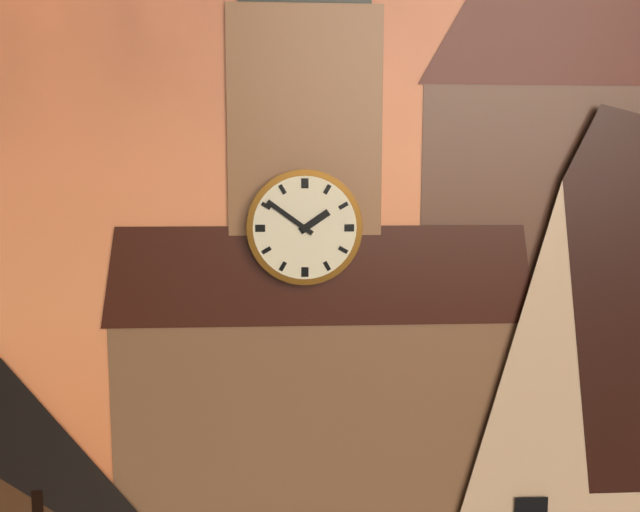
**1:51**
